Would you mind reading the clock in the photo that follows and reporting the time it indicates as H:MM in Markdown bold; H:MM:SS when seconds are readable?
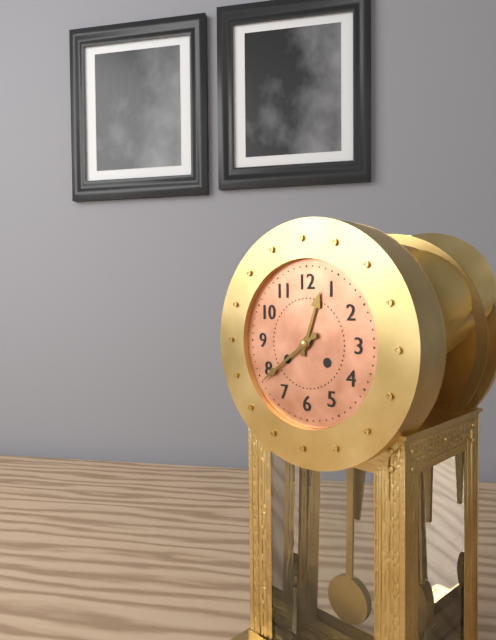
**12:39**
